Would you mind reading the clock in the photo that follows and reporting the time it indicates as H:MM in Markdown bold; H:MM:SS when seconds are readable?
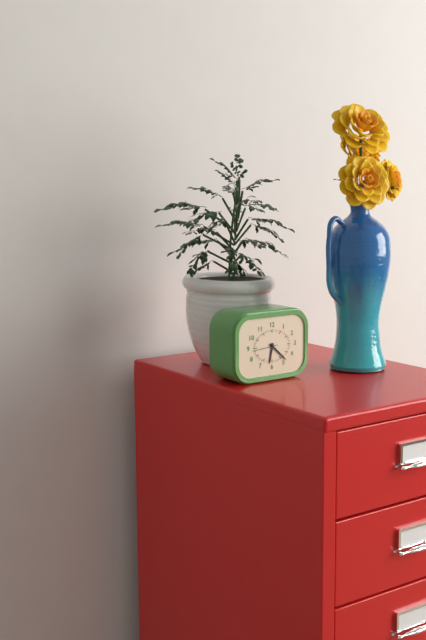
**6:22**
